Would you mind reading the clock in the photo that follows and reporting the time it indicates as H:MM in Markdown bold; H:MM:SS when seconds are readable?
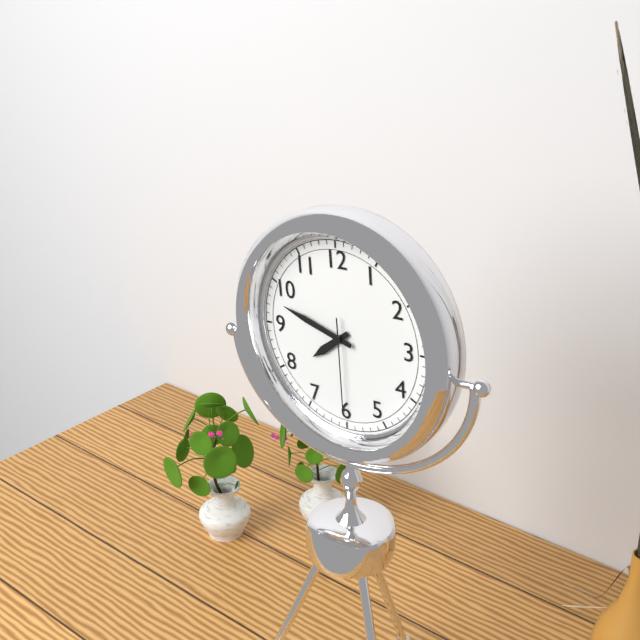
**7:48:30**
